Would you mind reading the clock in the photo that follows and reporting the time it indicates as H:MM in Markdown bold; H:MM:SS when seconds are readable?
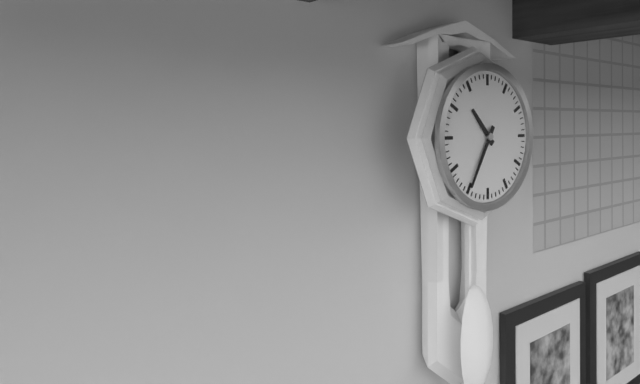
**10:35**
